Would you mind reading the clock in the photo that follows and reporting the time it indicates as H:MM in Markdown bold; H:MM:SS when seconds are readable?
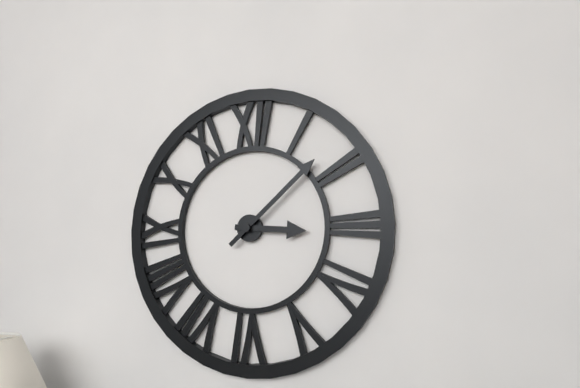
**3:08**
